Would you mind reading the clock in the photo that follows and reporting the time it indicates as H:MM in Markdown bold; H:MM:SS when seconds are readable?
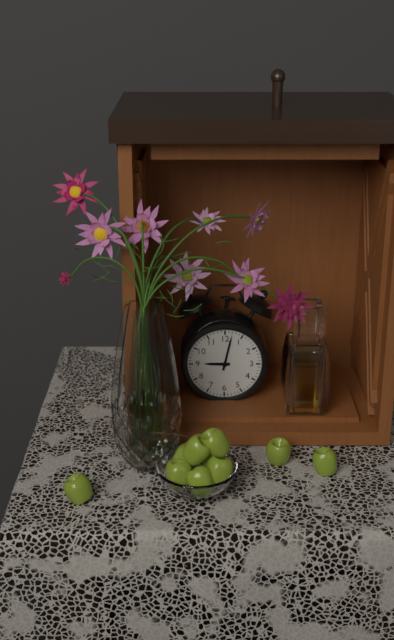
**9:02**
